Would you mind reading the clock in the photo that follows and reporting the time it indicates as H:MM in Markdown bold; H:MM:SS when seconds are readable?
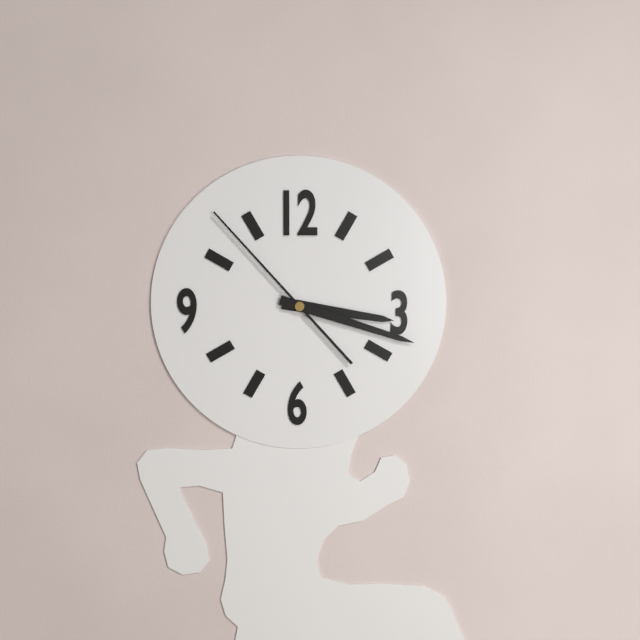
**3:18:53**
